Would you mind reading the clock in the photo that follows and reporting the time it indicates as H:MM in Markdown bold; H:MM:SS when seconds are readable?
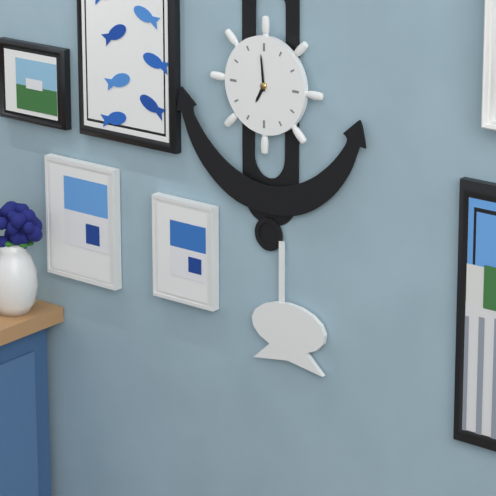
**6:59**
